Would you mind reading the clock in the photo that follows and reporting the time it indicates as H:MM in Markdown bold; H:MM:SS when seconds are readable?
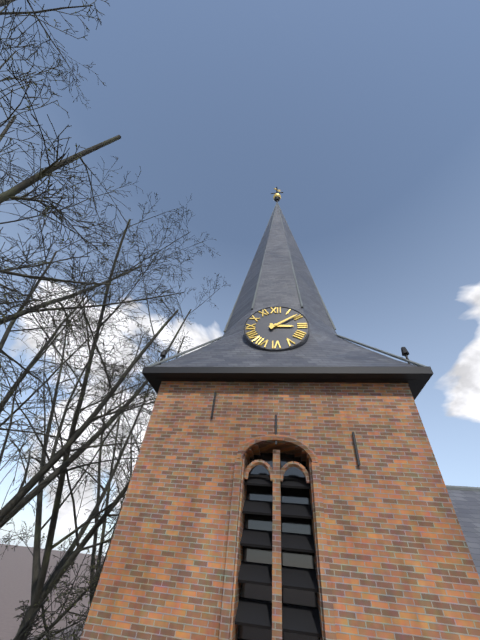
**3:09**
